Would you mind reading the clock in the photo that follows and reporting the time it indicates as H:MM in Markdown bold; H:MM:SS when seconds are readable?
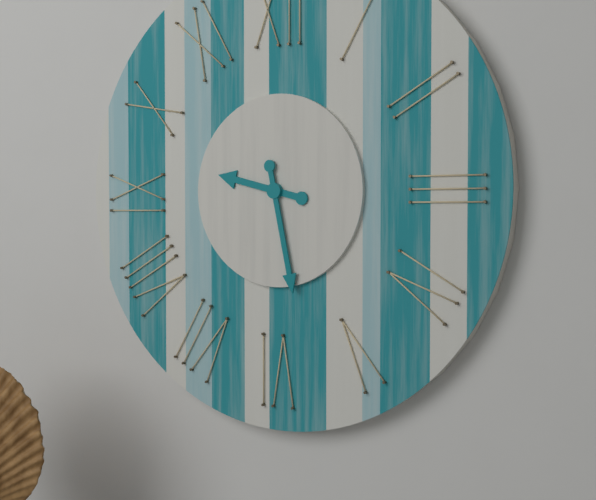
**9:28**
